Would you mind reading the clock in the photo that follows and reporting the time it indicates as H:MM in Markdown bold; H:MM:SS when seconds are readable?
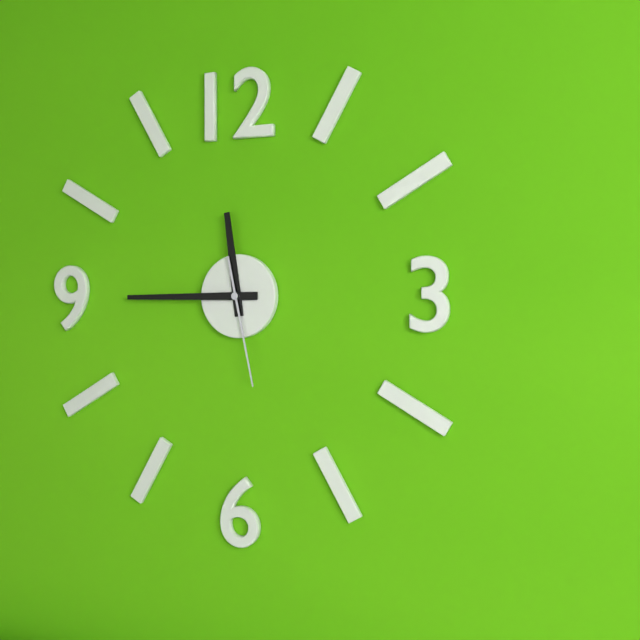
**11:45:28**
